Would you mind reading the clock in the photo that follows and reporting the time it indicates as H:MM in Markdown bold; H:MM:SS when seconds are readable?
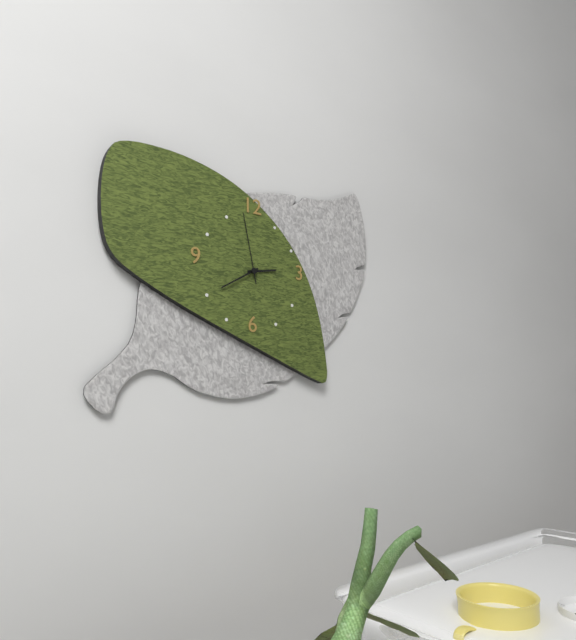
**2:40:58**
